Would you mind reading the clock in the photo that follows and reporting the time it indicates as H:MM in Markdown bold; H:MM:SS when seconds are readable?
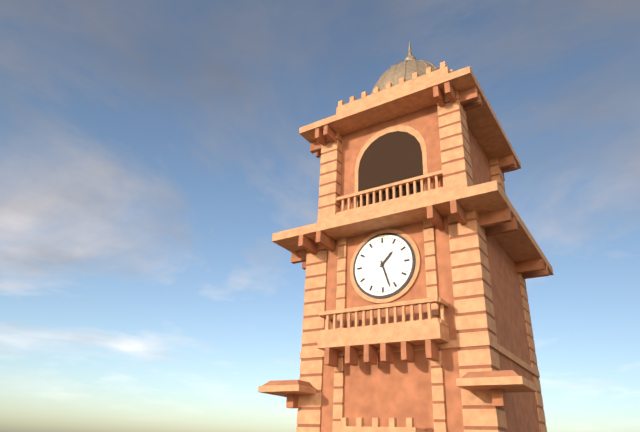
**1:27**
